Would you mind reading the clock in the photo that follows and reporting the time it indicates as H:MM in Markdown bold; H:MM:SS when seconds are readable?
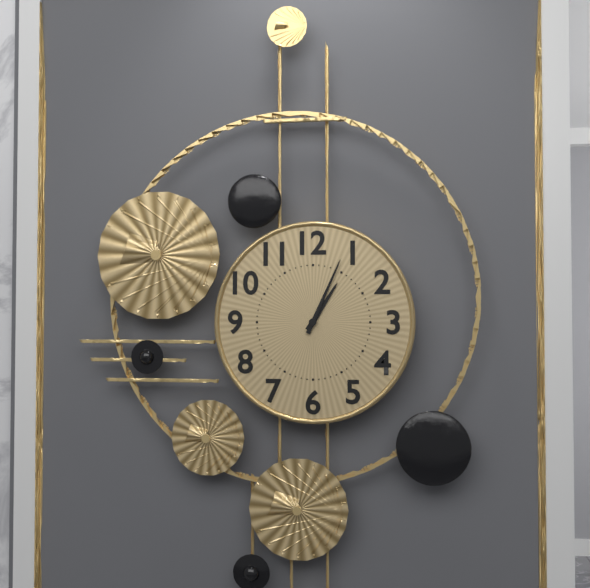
**1:04**
